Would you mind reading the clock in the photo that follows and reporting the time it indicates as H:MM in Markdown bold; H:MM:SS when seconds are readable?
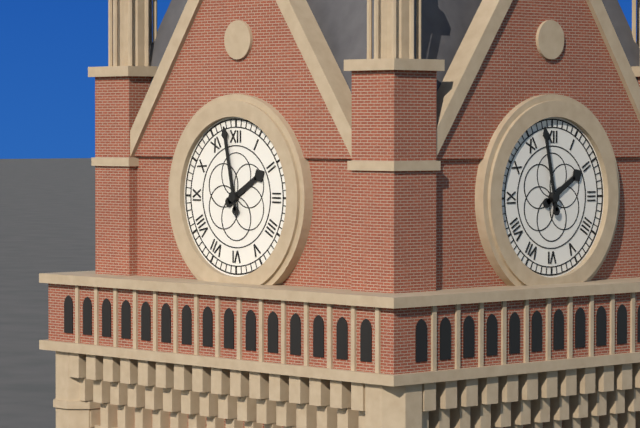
**1:58**
